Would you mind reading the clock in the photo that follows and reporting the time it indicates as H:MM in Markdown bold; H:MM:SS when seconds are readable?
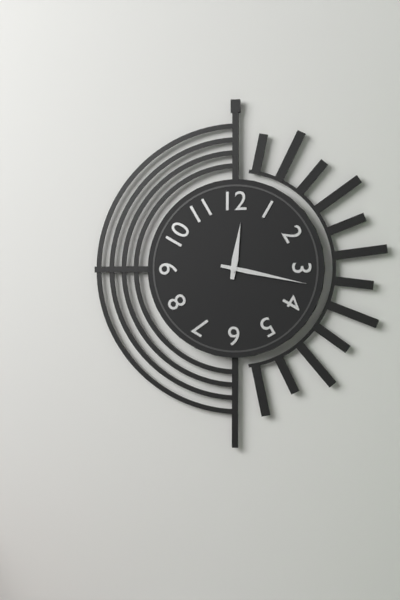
**12:17**
